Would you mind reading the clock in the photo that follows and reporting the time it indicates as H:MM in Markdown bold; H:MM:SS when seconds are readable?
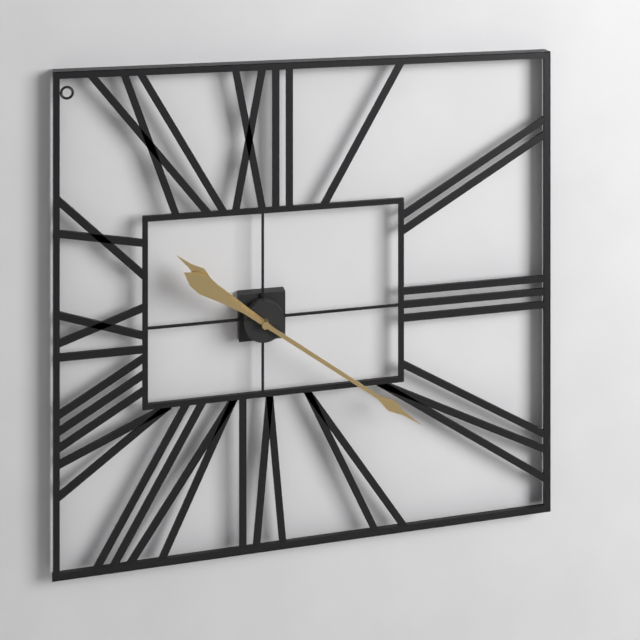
**10:21**
